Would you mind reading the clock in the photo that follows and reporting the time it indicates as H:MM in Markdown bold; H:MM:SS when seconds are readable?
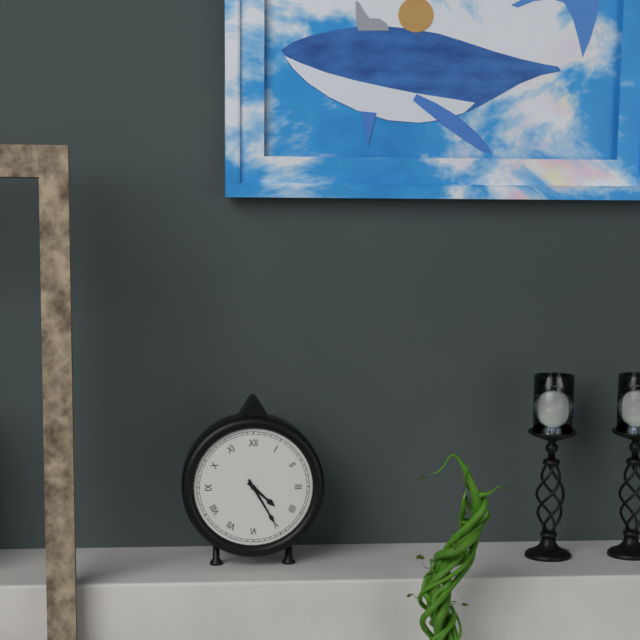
**4:25**
